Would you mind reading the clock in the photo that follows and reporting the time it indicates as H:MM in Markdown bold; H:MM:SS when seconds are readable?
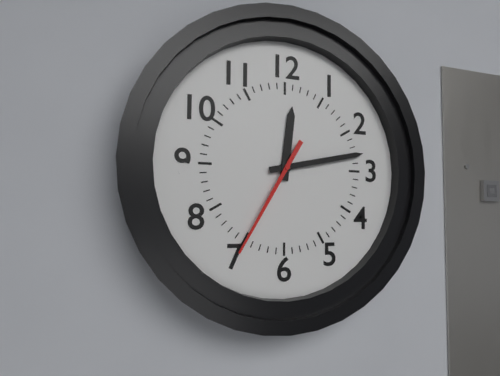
**12:13:35**
